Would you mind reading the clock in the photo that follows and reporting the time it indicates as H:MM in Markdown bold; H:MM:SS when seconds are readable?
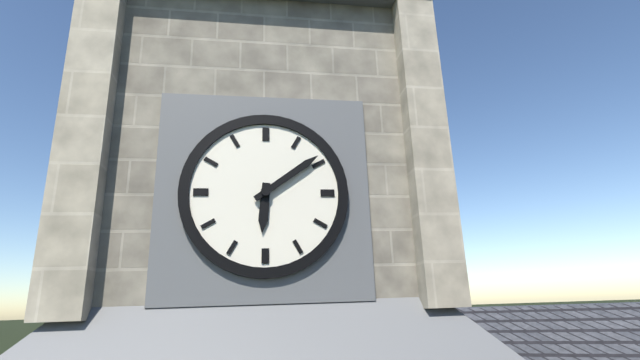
**6:09**
